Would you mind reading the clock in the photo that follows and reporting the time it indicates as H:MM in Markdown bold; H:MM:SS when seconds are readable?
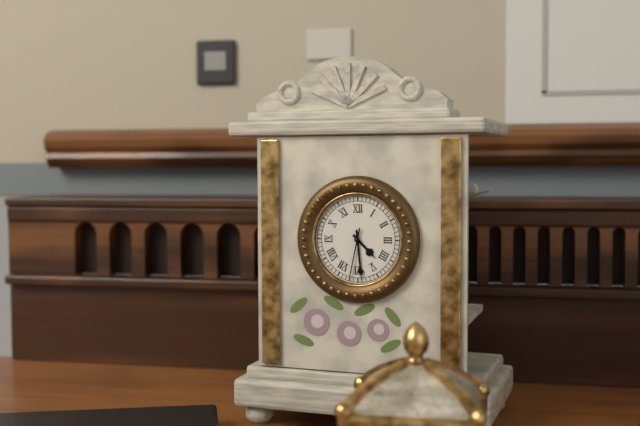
**4:29:32**
